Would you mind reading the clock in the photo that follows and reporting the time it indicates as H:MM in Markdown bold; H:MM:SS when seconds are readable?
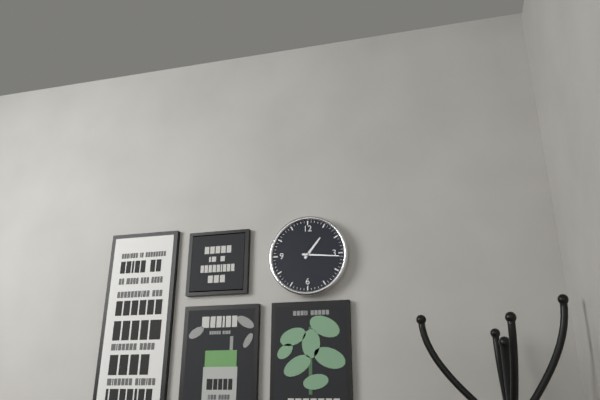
**1:16**
